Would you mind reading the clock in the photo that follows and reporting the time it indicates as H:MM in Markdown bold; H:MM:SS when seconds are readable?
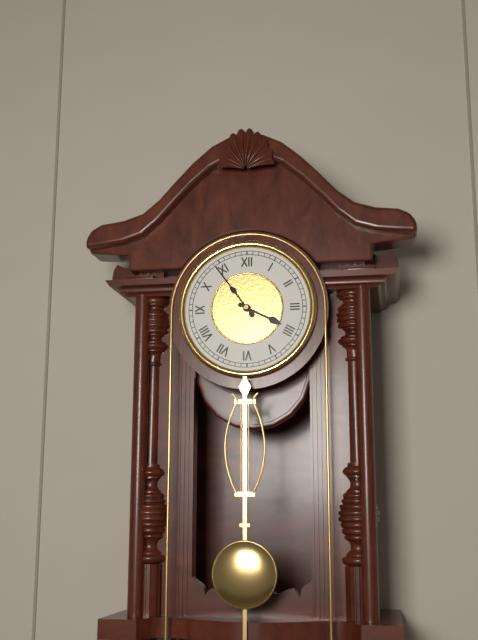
**3:54**
